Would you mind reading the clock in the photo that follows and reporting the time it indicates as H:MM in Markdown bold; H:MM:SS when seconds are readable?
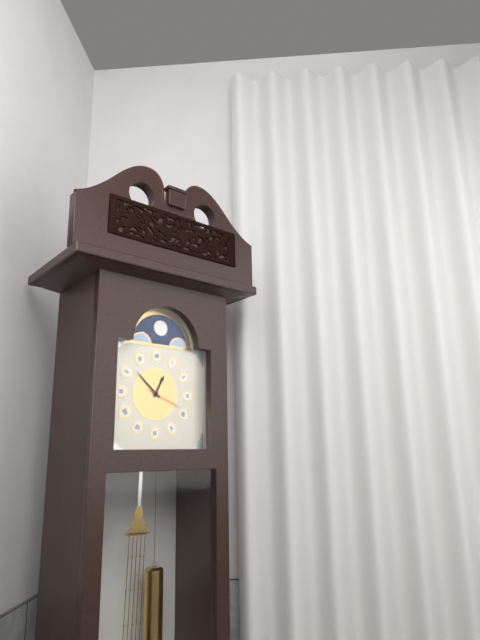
**12:52**
